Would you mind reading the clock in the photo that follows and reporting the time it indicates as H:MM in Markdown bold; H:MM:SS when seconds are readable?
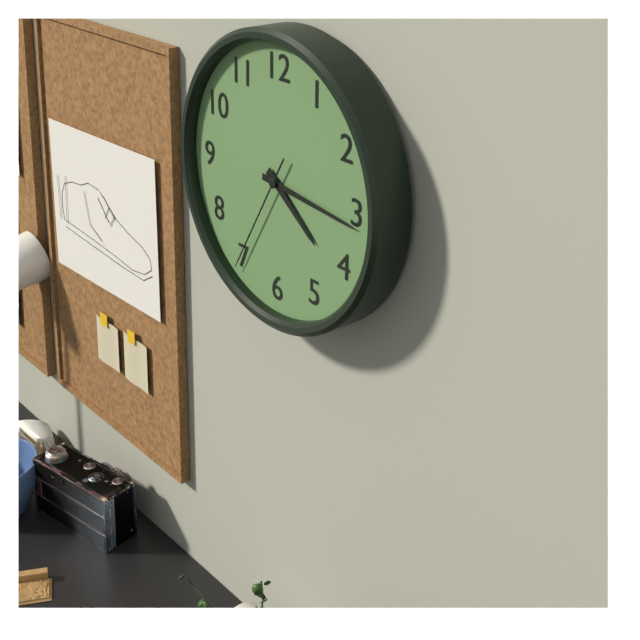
**4:16:35**
